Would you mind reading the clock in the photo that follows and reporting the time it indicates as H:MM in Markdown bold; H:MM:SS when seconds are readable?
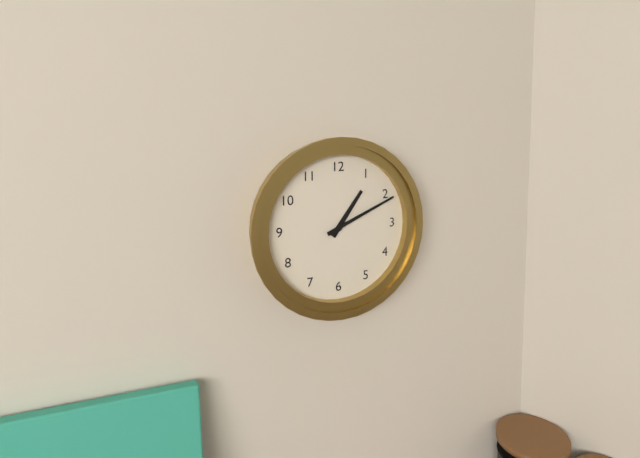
**1:11**
